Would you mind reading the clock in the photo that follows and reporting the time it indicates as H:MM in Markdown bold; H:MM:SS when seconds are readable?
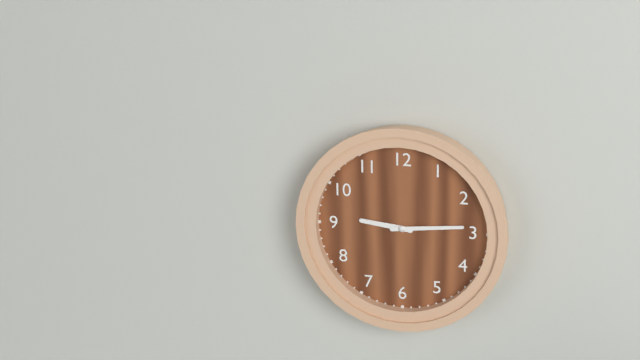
**9:14**
